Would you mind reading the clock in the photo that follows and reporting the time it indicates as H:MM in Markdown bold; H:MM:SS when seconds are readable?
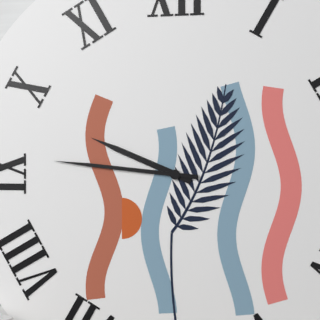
**9:46**
